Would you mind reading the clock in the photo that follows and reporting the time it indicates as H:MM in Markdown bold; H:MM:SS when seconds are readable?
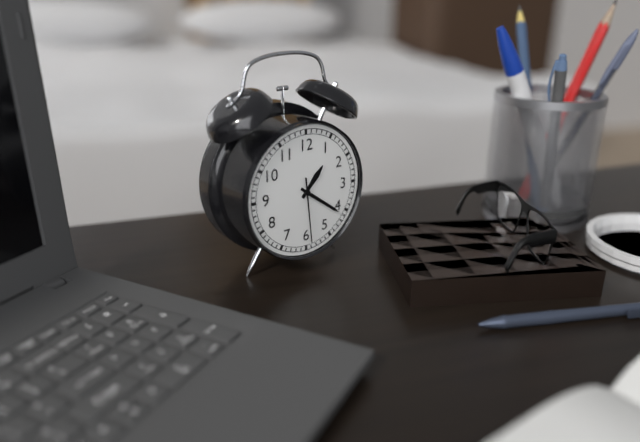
**1:21:29**
